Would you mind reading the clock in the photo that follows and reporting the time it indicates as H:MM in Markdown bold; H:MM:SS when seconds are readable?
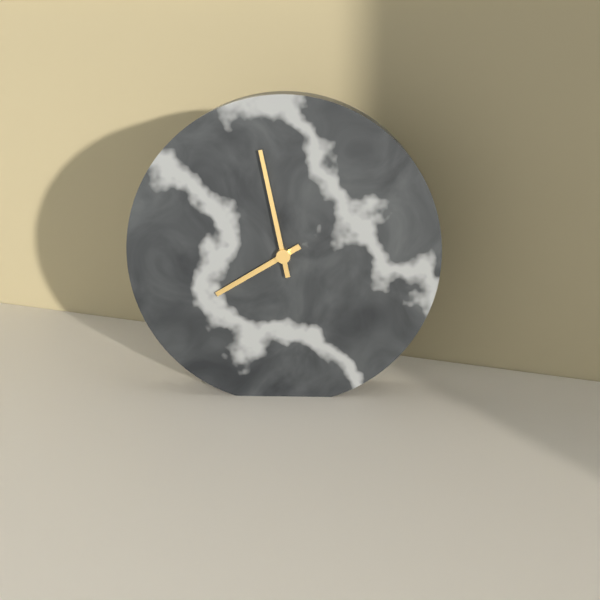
**7:58**
